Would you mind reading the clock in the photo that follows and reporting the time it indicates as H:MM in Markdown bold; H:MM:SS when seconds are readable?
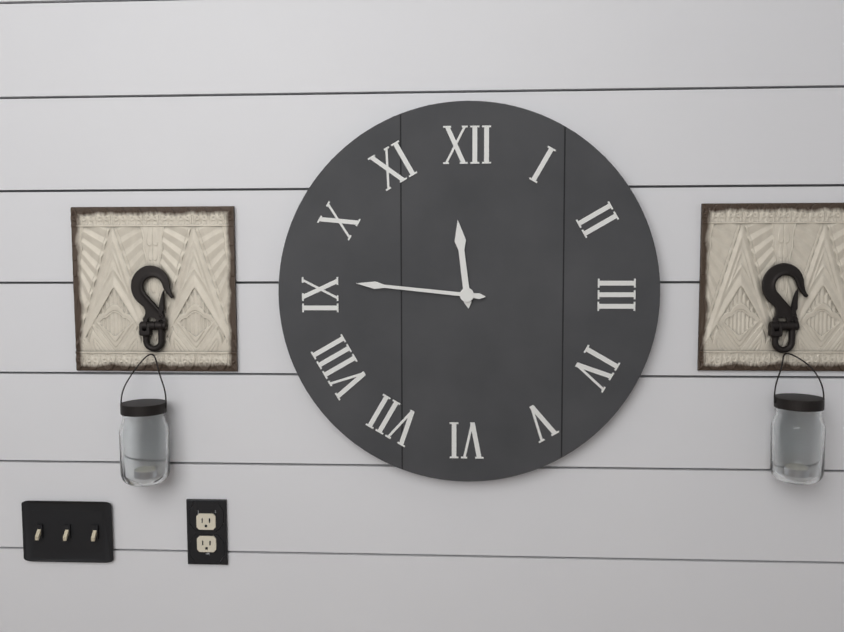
**11:46**
